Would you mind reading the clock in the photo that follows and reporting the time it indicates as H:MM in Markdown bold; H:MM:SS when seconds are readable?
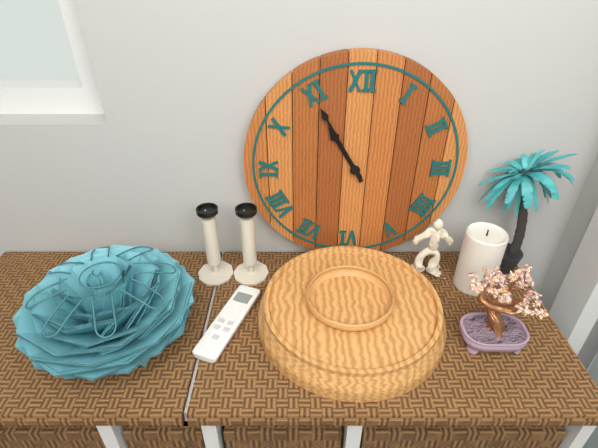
**10:55**
